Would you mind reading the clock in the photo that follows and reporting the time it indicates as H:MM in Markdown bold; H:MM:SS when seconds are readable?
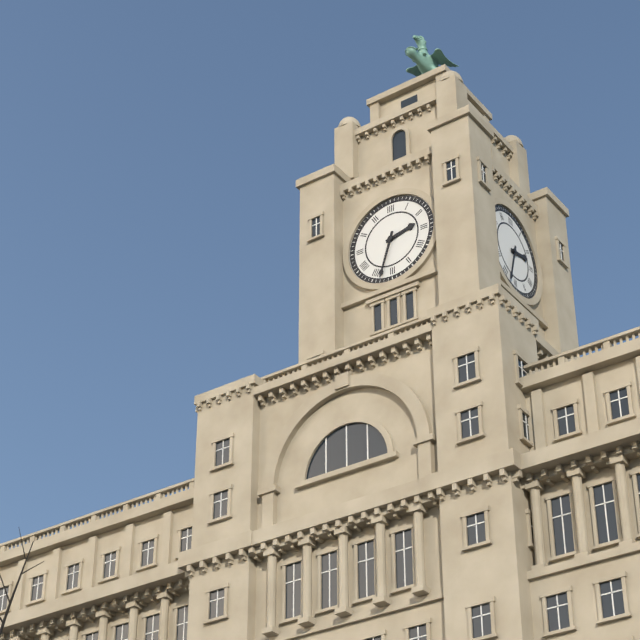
**2:33**
